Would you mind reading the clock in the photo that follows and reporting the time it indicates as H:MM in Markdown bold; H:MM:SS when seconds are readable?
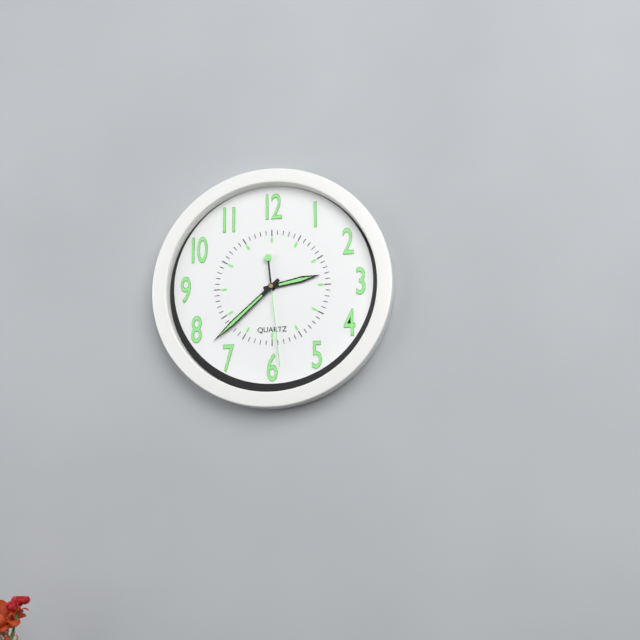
**2:38:29**
